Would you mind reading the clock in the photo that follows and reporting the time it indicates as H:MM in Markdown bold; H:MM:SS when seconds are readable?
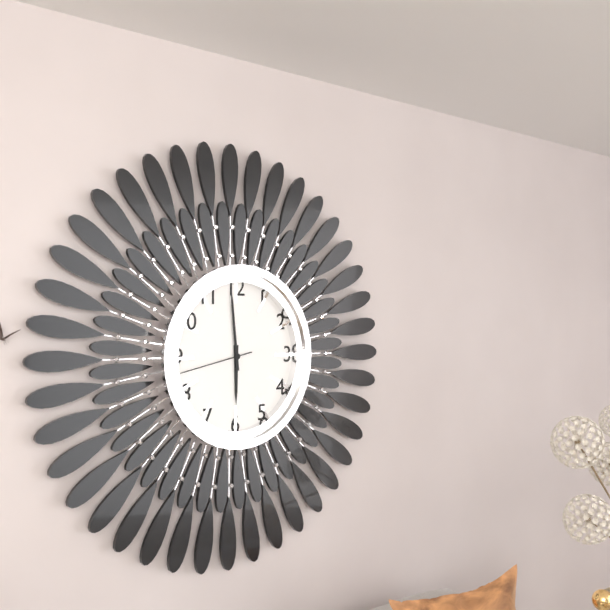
**5:59:43**
